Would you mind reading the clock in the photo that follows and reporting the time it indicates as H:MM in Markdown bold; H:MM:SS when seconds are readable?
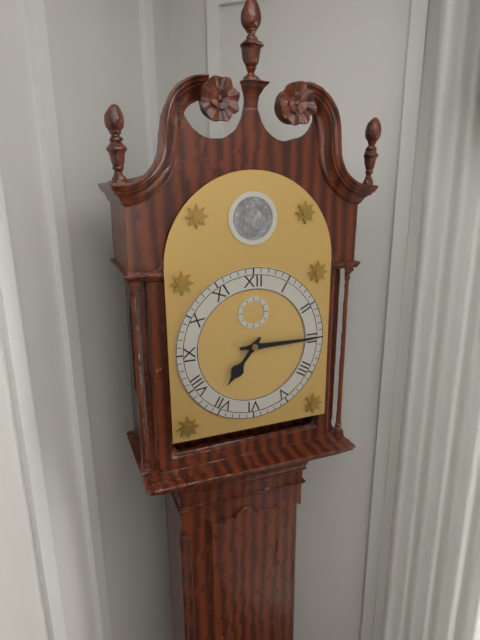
**7:15**
